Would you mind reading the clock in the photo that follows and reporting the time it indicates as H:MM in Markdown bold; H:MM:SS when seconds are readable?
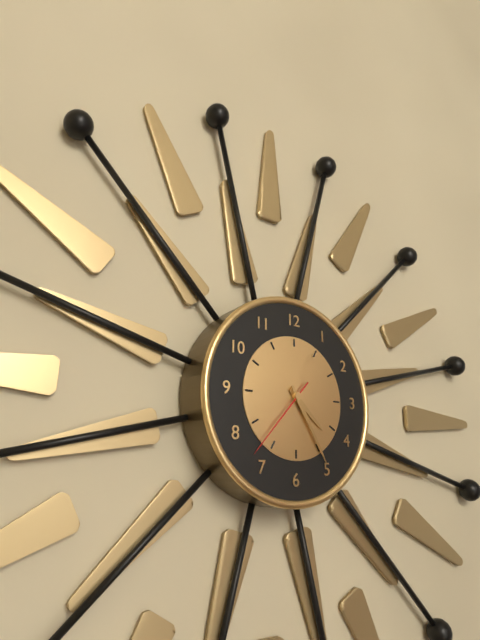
**4:25:37**
